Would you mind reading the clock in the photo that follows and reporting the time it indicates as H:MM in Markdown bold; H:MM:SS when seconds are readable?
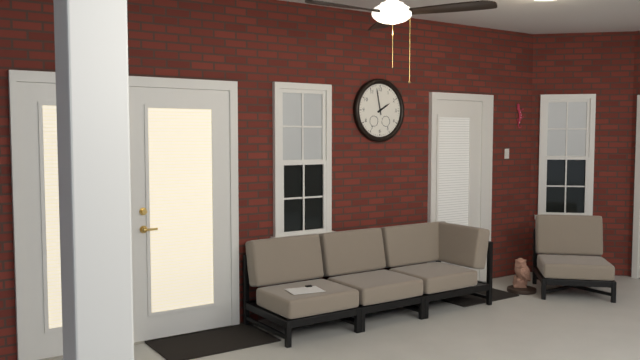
**1:58**
